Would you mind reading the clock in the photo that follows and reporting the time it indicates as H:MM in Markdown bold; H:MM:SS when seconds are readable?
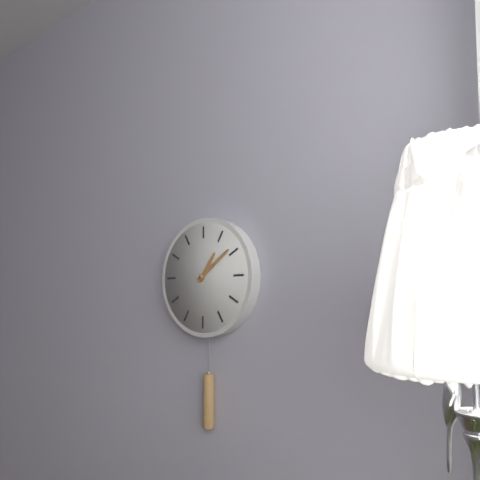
**1:09**
